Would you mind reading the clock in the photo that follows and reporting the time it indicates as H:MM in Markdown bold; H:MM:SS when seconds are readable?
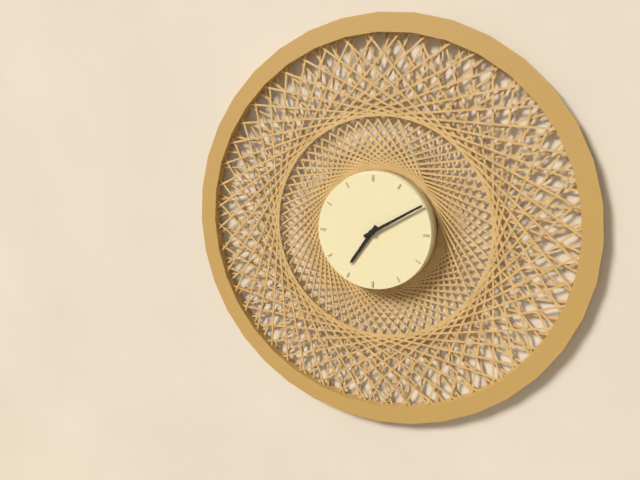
**7:10**
